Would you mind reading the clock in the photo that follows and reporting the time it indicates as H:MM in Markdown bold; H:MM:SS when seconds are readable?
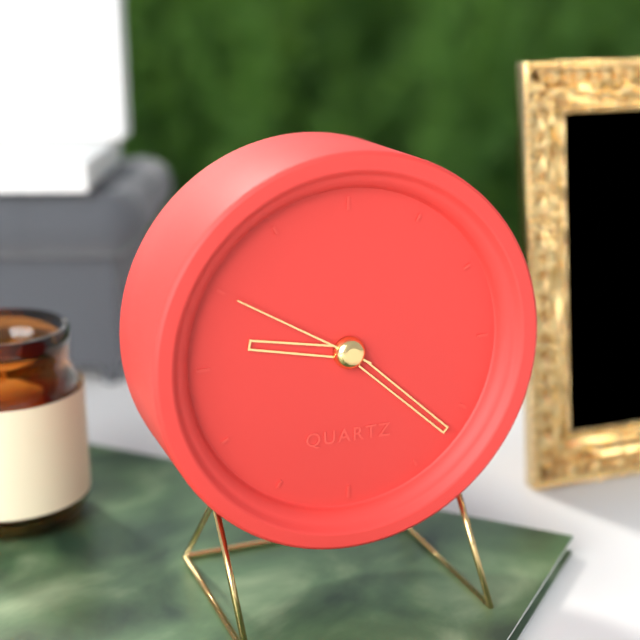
**9:22:50**
